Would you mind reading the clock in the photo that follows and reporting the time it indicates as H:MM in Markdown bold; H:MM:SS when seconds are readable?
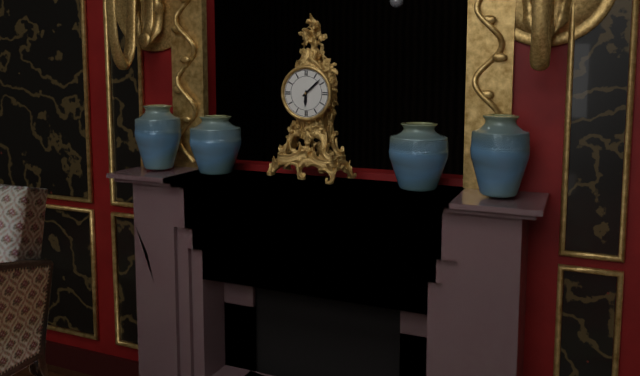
**6:08**
